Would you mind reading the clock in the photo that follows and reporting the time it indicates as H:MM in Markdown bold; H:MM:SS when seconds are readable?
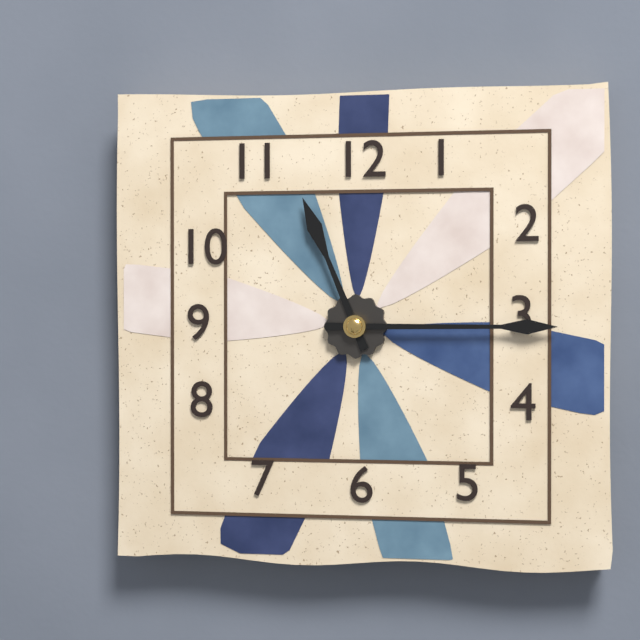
**11:15**
